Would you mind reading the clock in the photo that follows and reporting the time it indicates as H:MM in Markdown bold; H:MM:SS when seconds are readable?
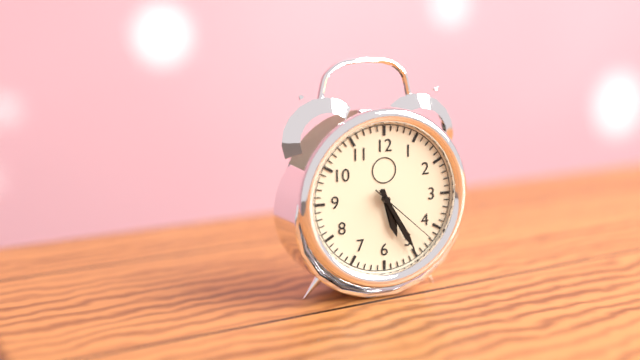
**5:25:22**
